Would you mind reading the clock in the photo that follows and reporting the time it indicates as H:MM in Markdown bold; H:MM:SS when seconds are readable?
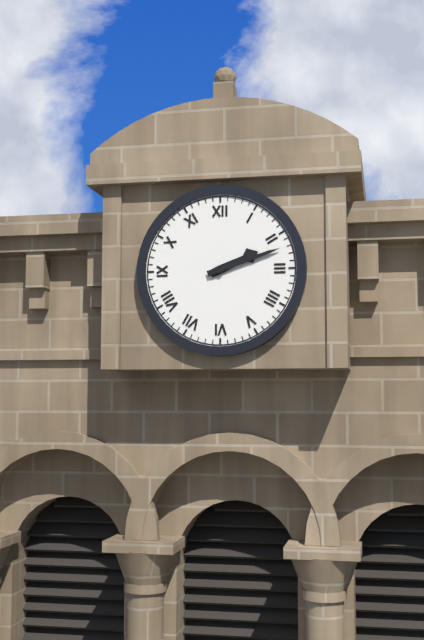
**2:12**
